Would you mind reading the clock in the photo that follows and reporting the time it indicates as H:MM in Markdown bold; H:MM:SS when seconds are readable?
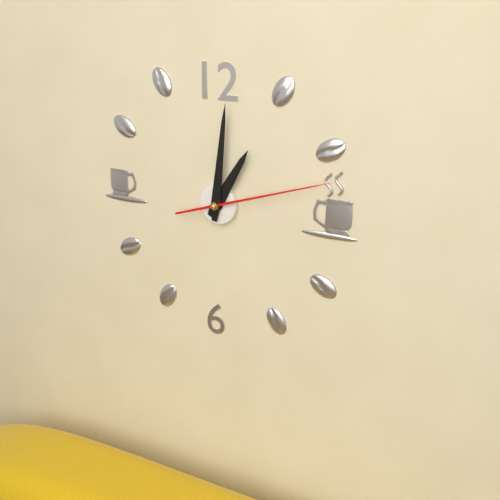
**1:01:12**
